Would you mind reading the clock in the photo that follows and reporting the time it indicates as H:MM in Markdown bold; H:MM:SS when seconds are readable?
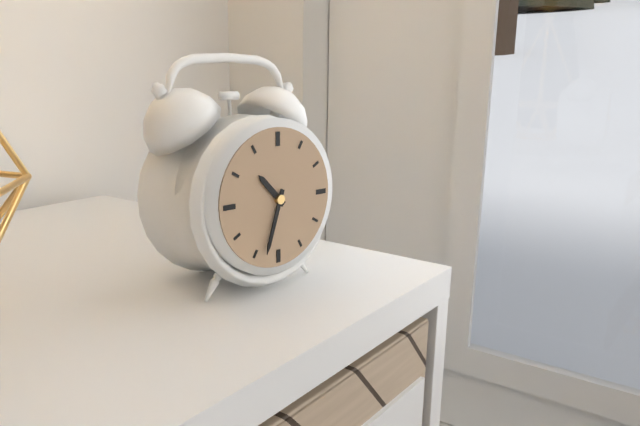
**10:33**
